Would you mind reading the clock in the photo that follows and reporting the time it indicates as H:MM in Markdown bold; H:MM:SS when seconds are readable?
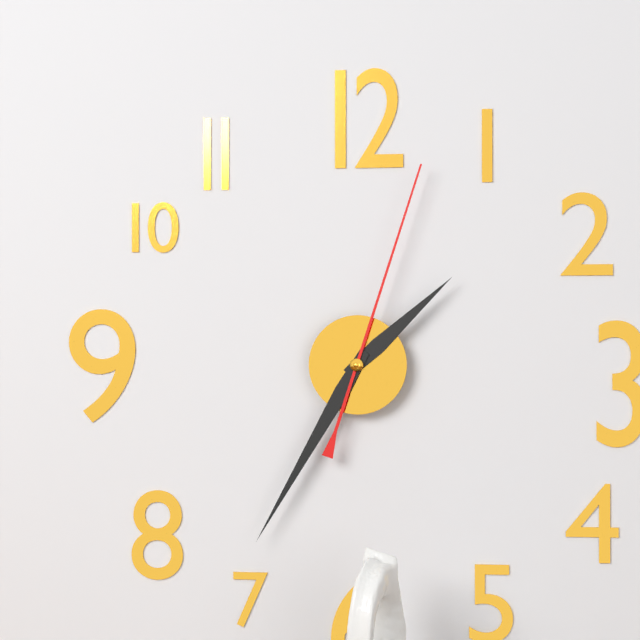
**1:35:03**
